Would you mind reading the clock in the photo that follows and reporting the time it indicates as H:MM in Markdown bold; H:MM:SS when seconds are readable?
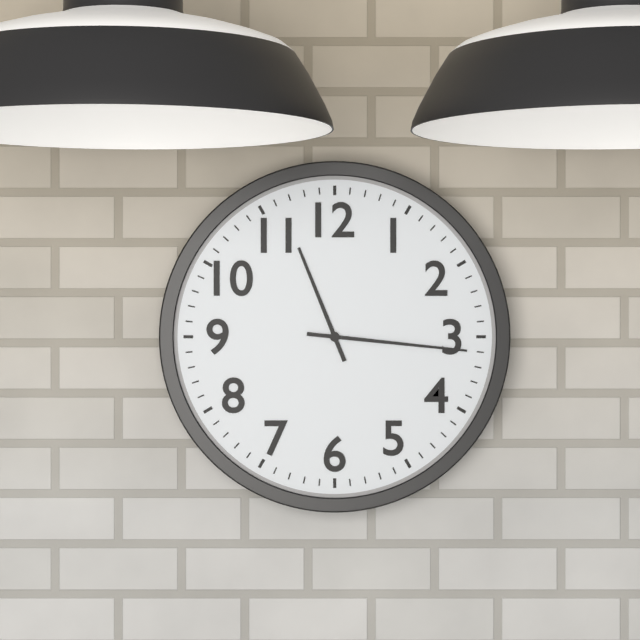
**11:16**
